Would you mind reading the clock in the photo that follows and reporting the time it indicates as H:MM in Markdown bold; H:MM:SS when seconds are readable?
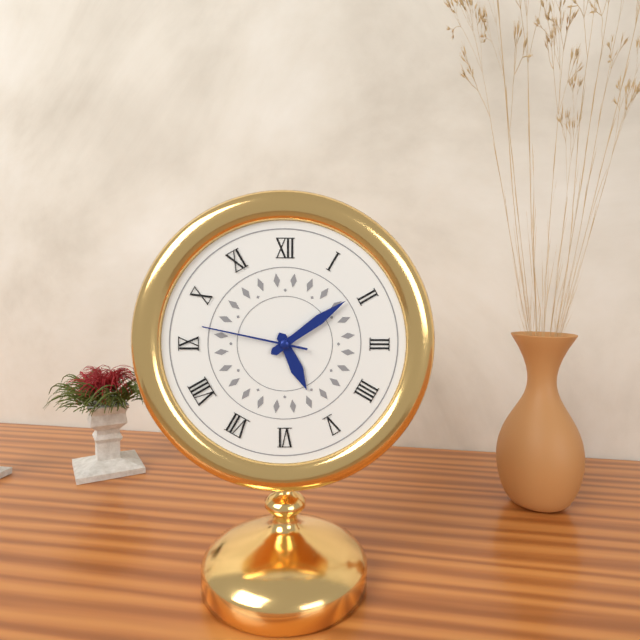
**5:09:47**
